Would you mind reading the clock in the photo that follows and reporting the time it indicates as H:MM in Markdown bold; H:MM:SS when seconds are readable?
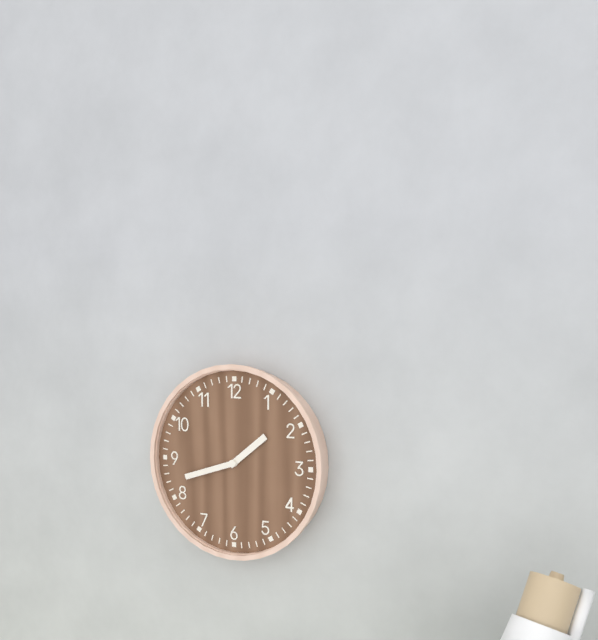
**1:42**
